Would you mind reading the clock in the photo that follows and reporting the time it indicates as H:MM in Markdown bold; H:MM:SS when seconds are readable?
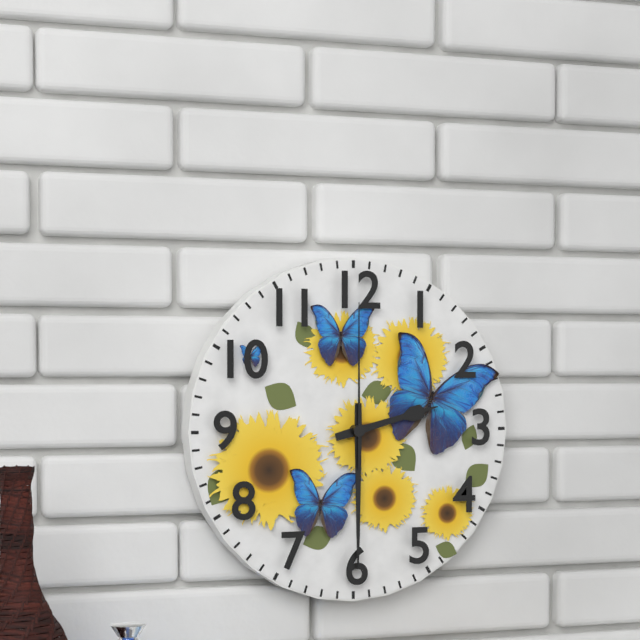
**2:30:00**
